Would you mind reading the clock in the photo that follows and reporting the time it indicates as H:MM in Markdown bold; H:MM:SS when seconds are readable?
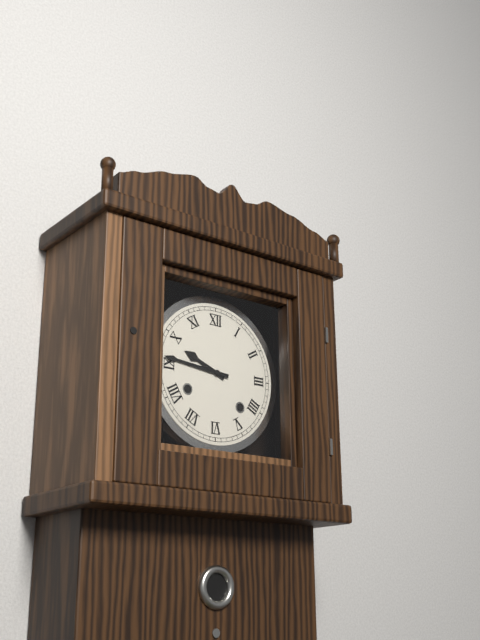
**9:46**
